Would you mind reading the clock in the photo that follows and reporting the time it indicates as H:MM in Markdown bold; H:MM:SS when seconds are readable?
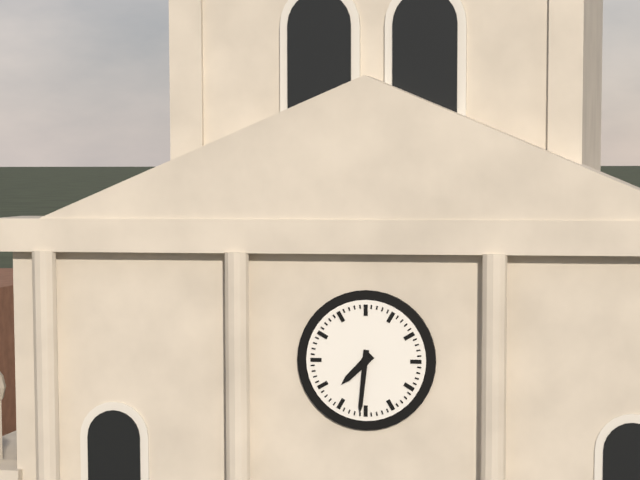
**7:31**
